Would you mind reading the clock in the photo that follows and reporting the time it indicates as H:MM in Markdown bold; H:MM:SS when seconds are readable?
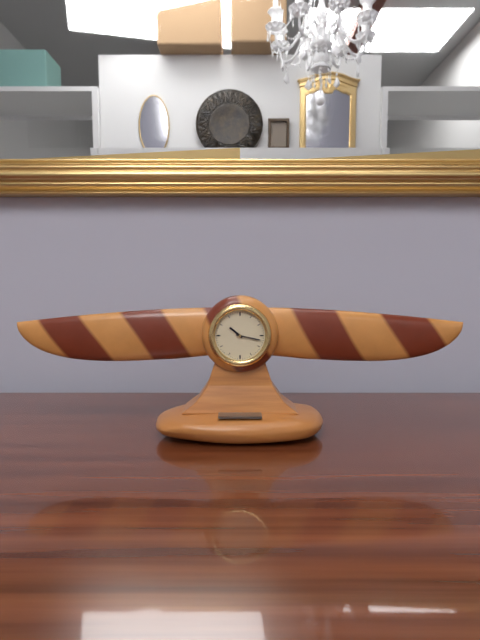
**10:17**
